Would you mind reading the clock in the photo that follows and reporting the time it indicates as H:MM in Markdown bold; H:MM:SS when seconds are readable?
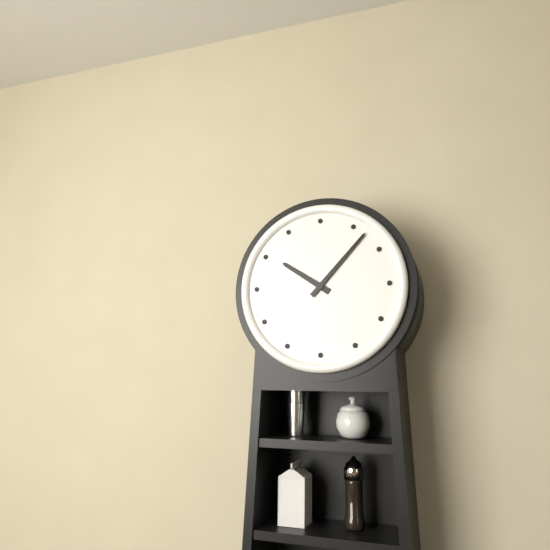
**10:07**
